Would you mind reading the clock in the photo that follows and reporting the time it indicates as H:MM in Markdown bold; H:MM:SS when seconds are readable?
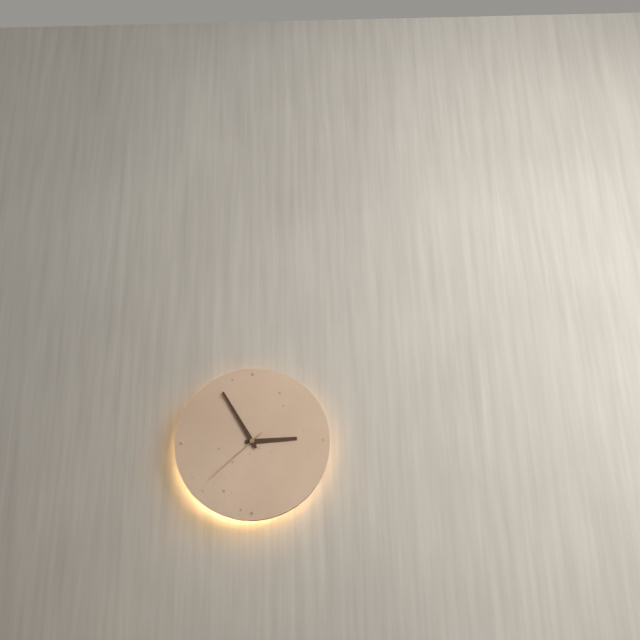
**2:55:38**
